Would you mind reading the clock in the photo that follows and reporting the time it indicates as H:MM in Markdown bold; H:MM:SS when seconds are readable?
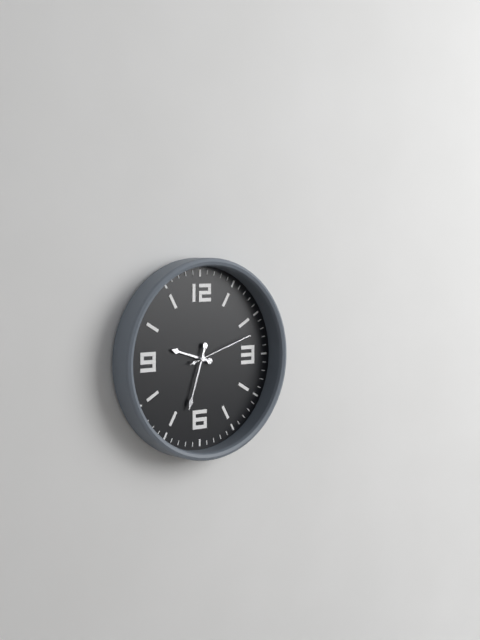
**9:33:12**
